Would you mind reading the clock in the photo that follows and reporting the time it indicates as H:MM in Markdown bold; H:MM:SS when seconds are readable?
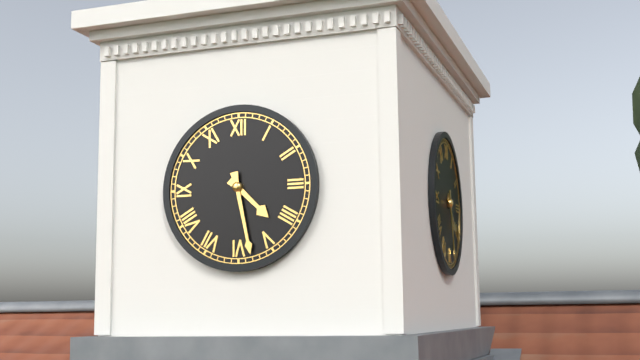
**4:28**
